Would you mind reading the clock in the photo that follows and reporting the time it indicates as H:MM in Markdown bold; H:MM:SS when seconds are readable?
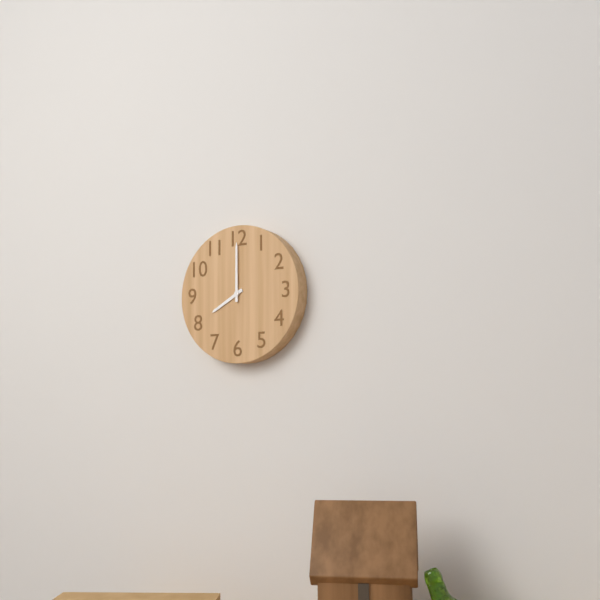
**8:00**
